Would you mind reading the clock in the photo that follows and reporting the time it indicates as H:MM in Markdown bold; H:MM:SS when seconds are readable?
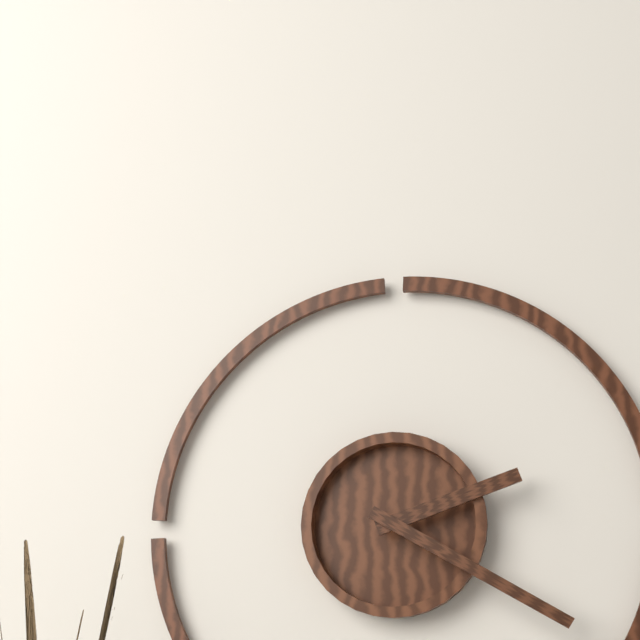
**2:20**
